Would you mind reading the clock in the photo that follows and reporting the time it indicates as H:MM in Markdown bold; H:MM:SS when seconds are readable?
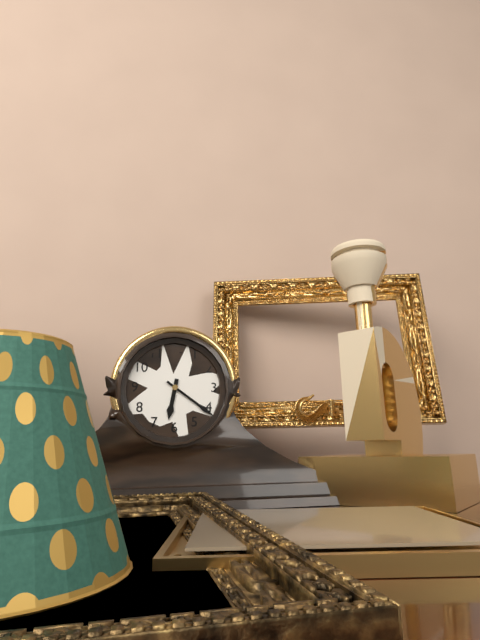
**6:21**
